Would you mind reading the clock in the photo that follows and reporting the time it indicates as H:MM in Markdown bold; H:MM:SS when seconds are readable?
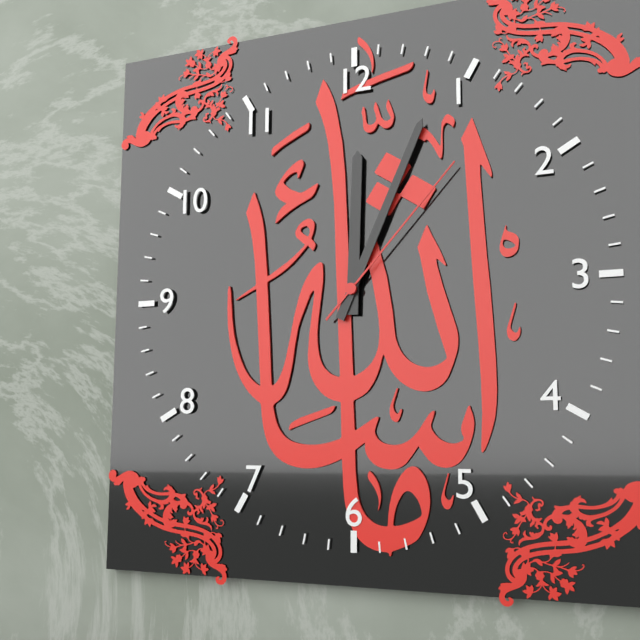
**12:04:07**
